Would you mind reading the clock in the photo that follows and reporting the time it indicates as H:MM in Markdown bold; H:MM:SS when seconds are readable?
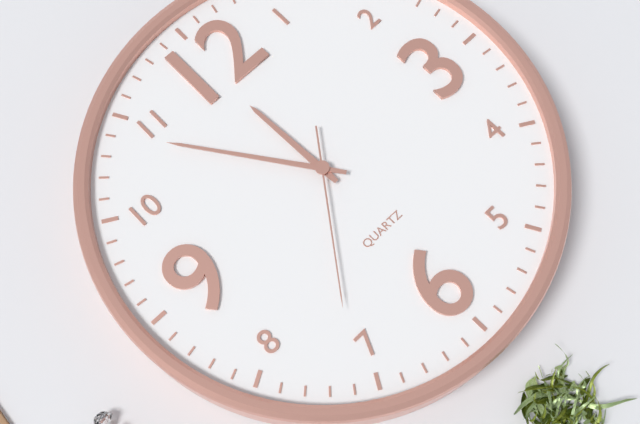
**11:54:36**
